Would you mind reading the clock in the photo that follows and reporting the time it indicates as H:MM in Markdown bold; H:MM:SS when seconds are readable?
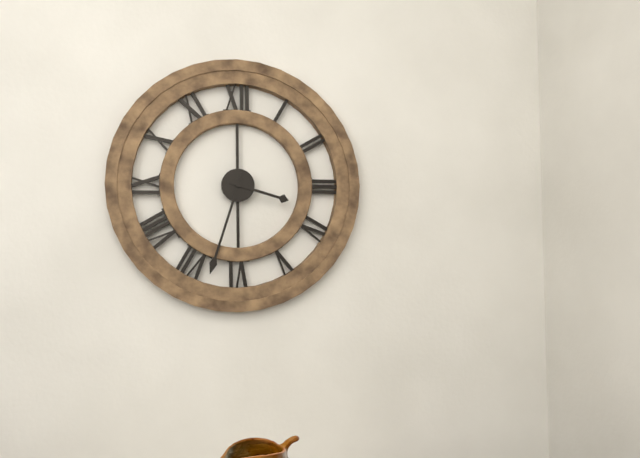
**3:33**
